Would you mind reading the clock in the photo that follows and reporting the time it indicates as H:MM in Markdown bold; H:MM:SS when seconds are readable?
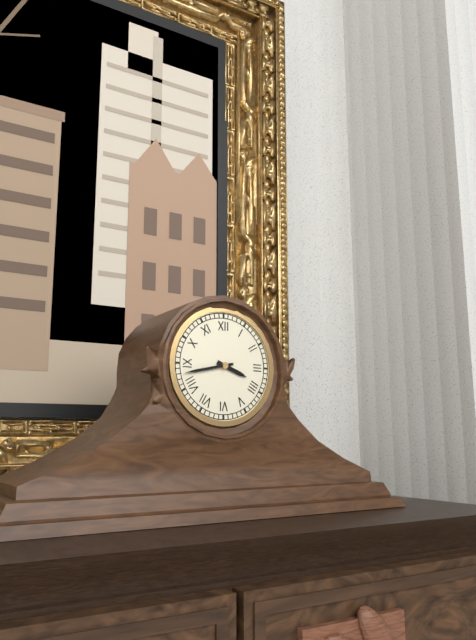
**3:43**
